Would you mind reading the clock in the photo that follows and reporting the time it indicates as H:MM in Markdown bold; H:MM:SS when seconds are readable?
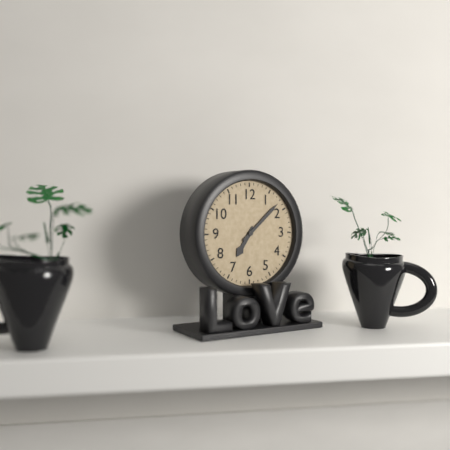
**7:08**
